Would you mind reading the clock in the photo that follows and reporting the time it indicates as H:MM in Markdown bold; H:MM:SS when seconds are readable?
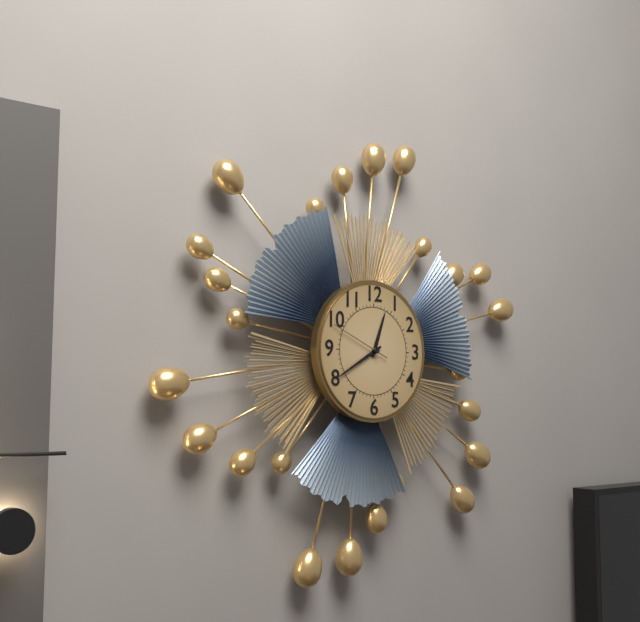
**12:40:49**
